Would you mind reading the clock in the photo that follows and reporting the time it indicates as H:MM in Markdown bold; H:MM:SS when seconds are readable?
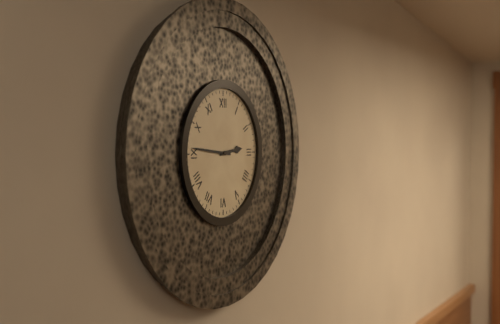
**2:46**
